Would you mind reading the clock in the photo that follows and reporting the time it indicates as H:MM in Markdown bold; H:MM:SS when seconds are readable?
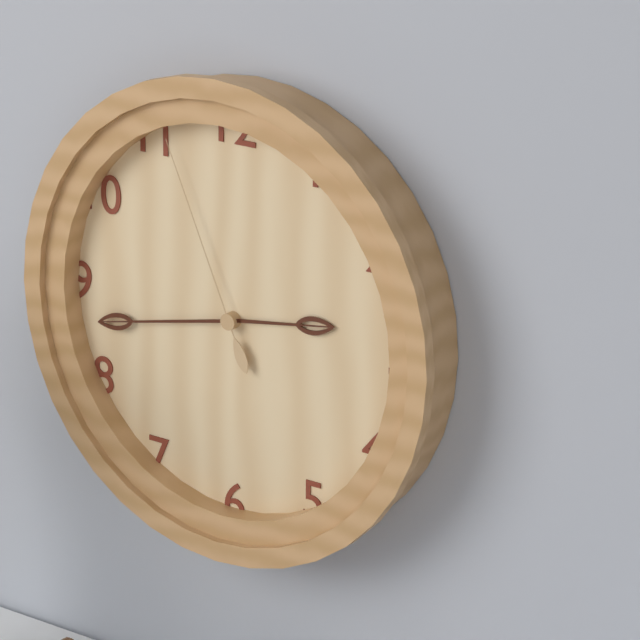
**2:43:56**
